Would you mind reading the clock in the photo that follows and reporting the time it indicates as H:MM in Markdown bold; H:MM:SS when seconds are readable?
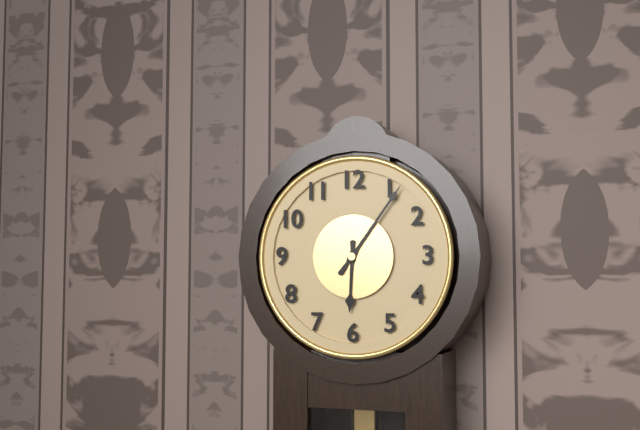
**6:06**
